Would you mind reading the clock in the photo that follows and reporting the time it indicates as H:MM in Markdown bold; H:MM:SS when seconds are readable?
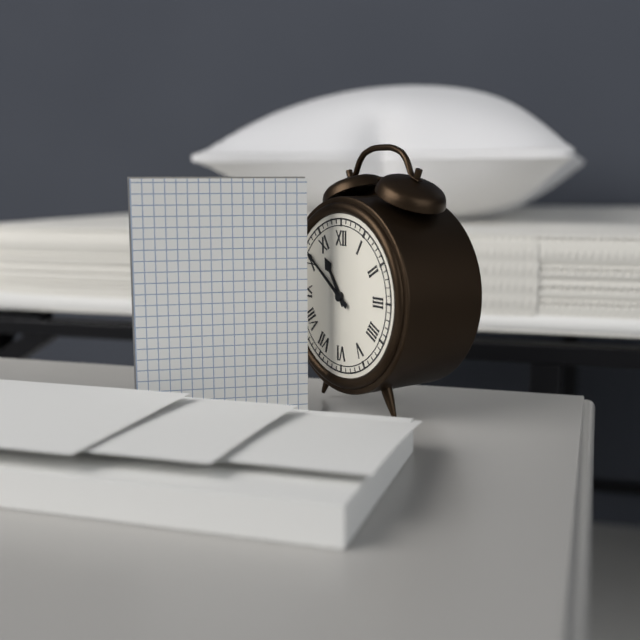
**10:51**
